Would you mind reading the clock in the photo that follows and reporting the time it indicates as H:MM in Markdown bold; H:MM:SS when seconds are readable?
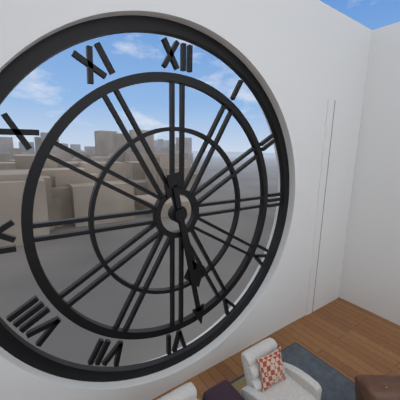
**5:28**
